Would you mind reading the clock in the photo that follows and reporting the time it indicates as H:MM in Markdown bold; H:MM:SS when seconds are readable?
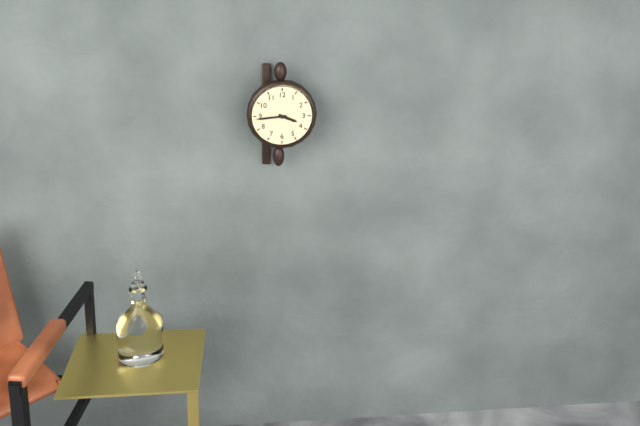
**3:44**
